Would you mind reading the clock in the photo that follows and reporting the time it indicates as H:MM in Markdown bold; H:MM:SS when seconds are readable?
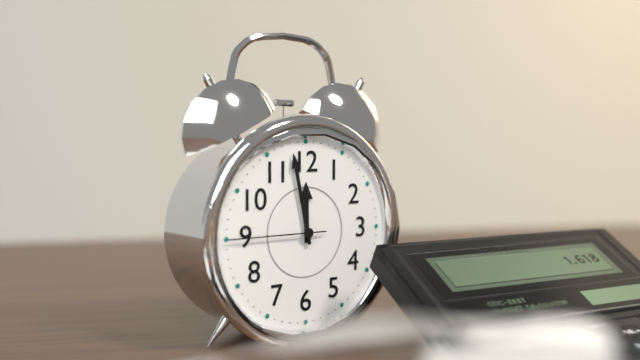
**11:58:45**
